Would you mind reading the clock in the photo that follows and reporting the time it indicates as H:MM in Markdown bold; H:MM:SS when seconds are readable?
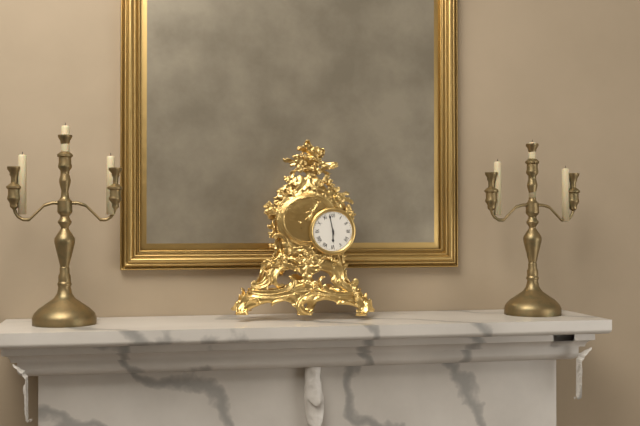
**5:58**
